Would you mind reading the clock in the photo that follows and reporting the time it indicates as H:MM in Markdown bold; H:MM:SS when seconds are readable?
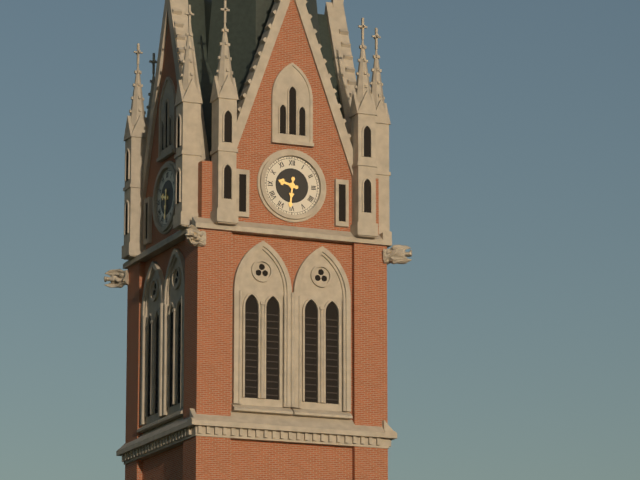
**9:31**
